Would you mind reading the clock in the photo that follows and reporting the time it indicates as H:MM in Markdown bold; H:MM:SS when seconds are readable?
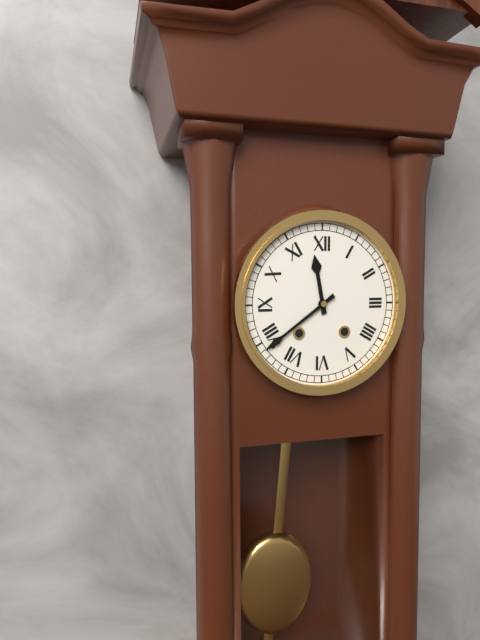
**11:39**
